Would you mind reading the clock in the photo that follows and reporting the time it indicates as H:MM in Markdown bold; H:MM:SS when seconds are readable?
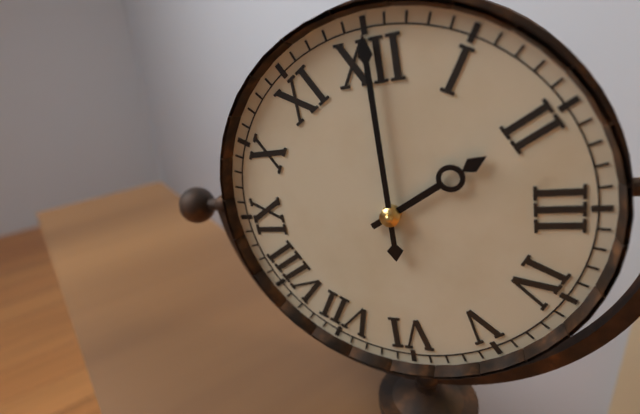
**2:00**
